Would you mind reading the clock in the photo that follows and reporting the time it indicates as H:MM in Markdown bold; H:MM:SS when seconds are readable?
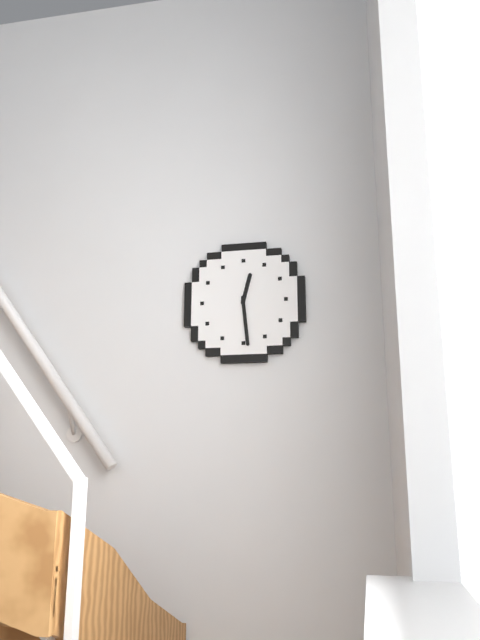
**12:29**
